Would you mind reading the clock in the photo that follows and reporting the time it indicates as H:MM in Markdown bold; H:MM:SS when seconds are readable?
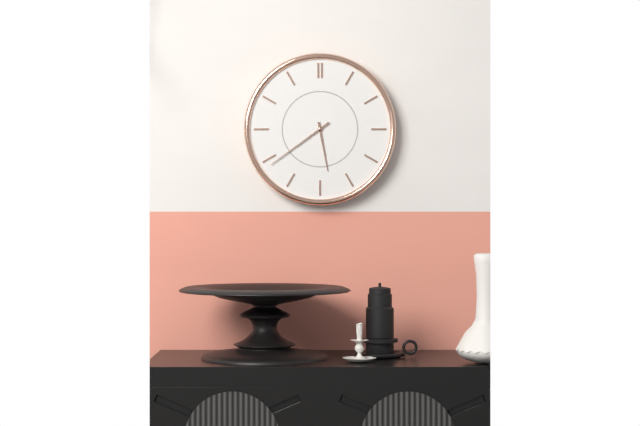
**5:39**
